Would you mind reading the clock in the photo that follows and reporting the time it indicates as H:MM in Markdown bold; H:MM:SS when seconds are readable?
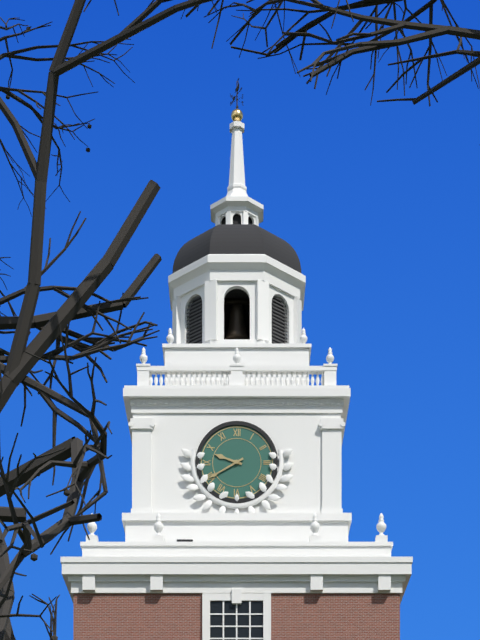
**9:40**
